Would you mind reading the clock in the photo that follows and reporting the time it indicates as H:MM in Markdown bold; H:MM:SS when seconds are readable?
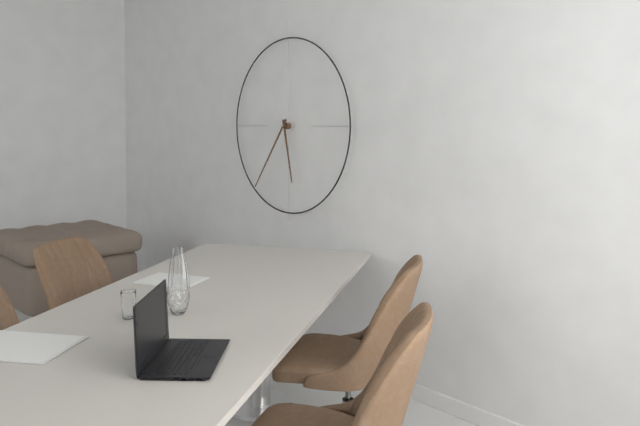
**5:36**
